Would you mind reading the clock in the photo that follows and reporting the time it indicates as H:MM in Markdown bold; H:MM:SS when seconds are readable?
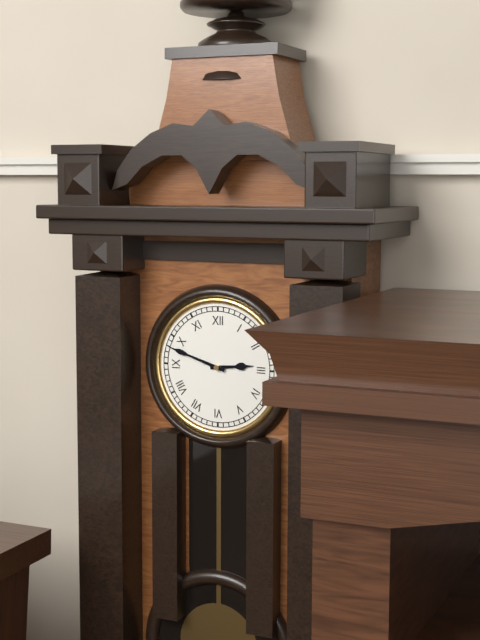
**2:48**
